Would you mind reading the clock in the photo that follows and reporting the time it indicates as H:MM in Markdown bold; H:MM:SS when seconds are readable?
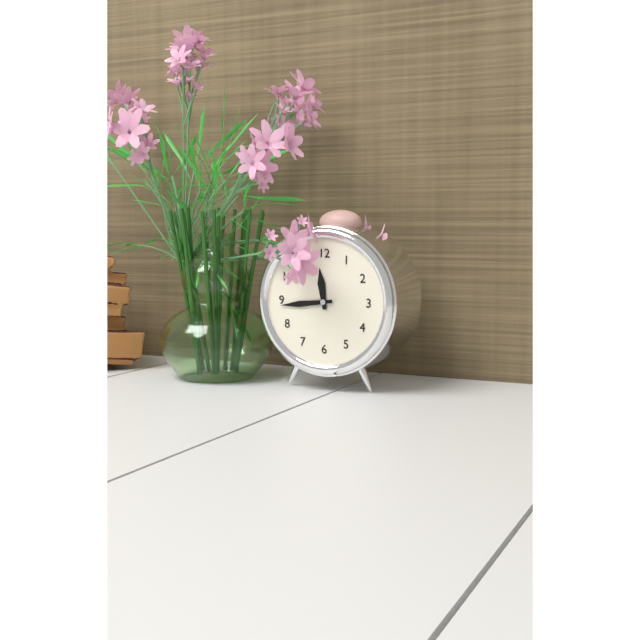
**11:44**
